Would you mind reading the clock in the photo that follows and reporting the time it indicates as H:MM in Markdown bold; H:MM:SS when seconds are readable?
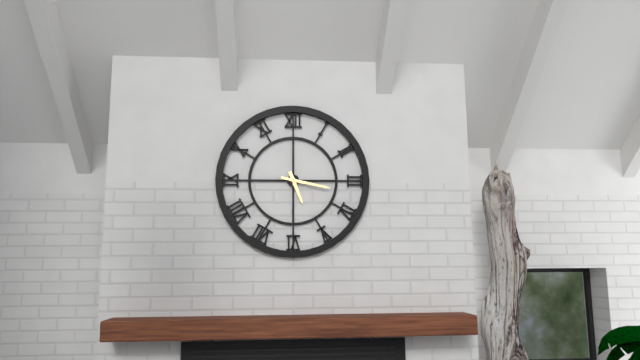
**5:17**
